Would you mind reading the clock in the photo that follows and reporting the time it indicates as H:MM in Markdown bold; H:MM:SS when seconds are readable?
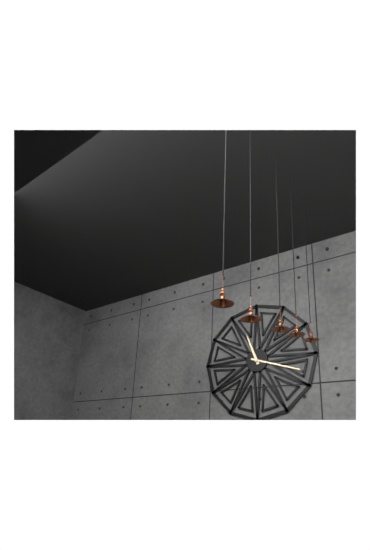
**11:18**
